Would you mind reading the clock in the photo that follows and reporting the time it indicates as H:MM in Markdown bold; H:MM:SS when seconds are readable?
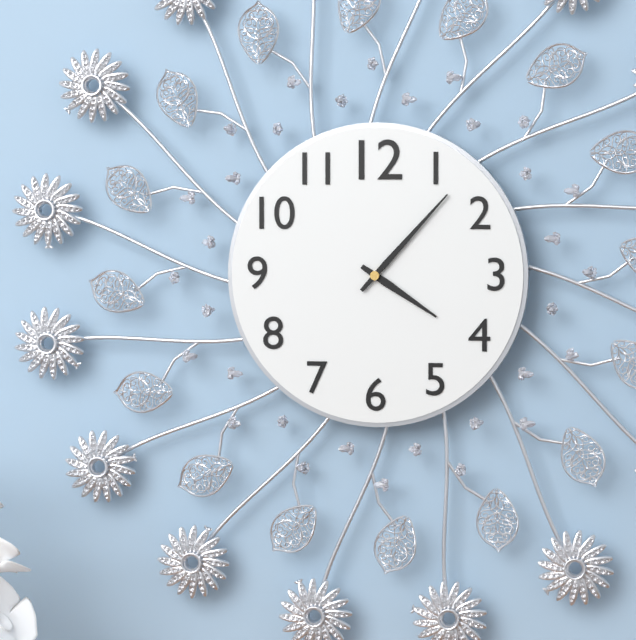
**4:07**
